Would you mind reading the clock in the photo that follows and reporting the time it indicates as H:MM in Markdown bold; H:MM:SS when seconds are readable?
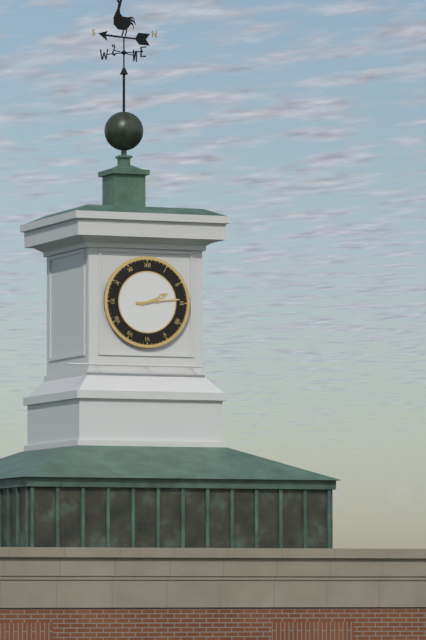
**2:14**
